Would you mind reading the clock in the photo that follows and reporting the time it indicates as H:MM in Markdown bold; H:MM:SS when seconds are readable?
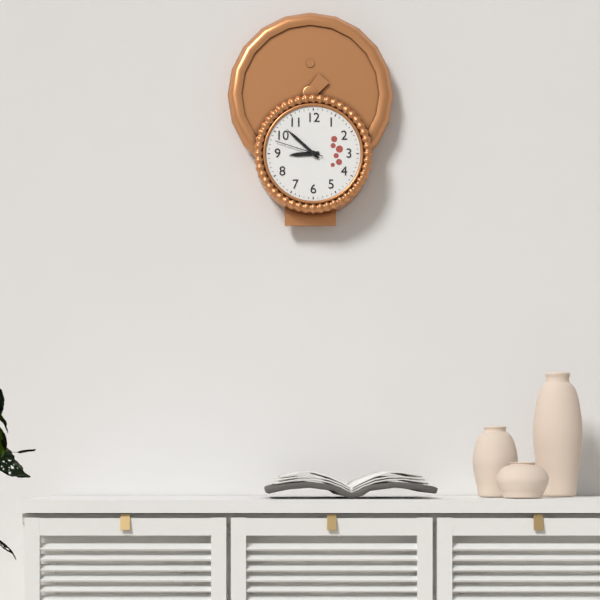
**8:52**
